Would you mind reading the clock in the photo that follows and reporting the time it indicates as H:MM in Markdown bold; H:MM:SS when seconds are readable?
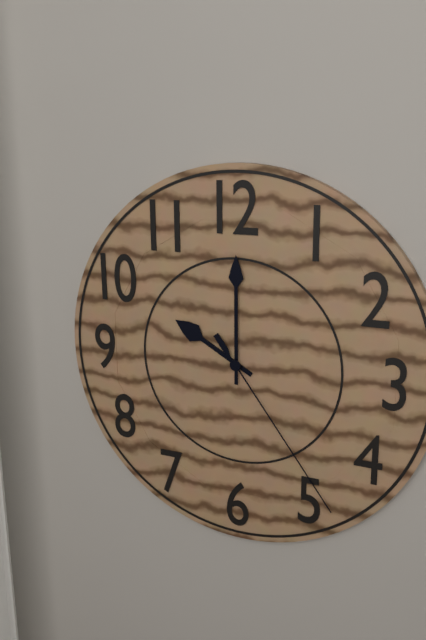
**10:00:24**
